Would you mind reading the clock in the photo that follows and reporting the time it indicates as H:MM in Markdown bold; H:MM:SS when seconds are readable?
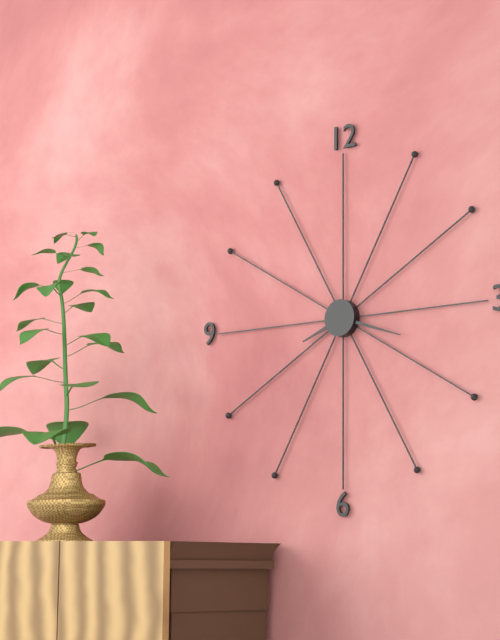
**8:18**
